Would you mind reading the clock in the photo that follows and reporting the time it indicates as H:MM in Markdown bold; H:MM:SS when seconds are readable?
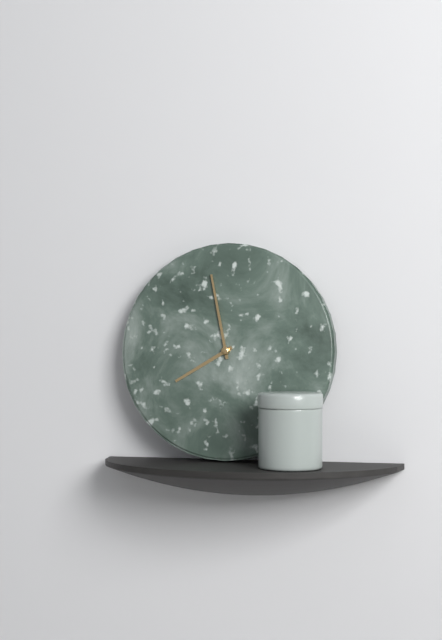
**7:58**
